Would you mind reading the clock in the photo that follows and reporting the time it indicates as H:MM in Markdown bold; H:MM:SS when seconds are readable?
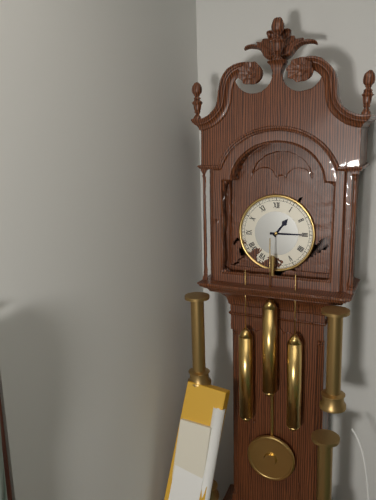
**1:15**
